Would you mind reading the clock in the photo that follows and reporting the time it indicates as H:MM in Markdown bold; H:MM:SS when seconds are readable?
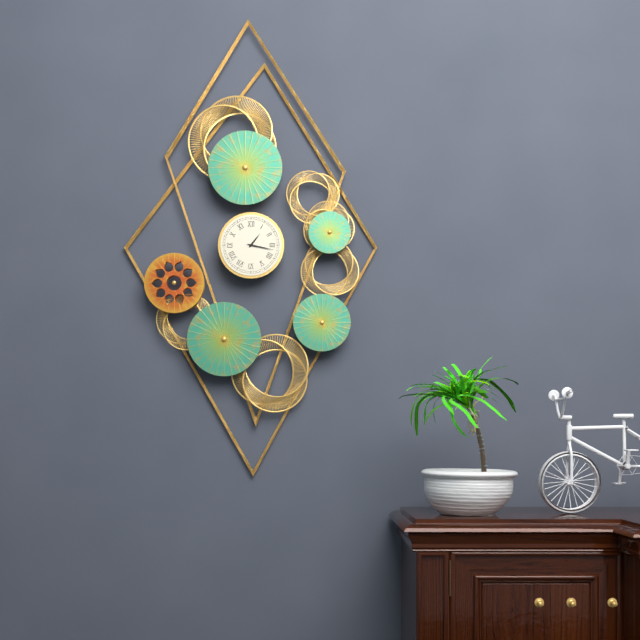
**1:17**
